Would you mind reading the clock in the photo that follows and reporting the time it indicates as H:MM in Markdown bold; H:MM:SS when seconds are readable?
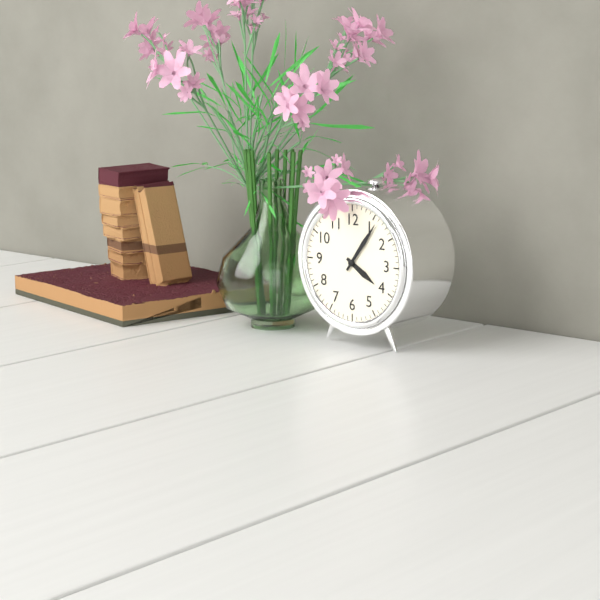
**4:06**
